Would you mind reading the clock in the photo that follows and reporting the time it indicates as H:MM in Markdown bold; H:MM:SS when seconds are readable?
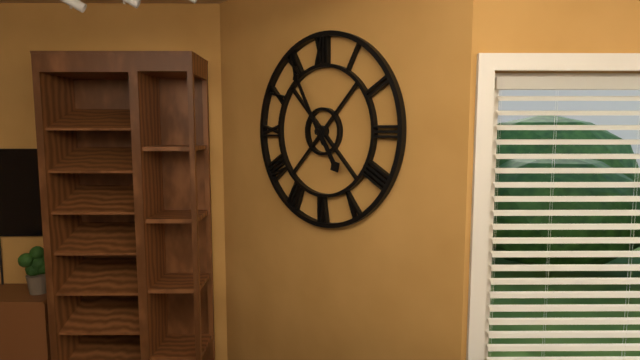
**4:55**
